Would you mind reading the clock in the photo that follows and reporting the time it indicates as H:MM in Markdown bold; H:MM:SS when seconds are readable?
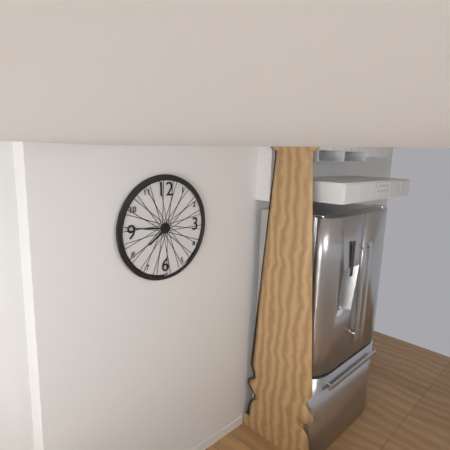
**7:46**
